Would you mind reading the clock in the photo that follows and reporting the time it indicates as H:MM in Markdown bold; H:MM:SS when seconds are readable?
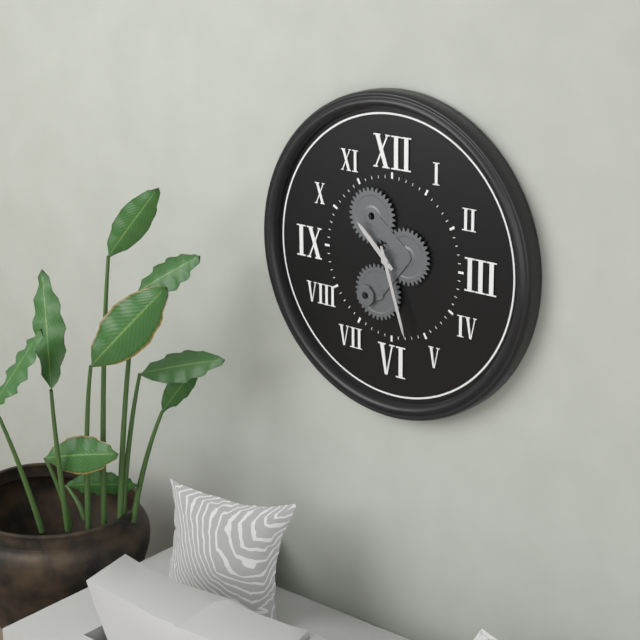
**10:27**
